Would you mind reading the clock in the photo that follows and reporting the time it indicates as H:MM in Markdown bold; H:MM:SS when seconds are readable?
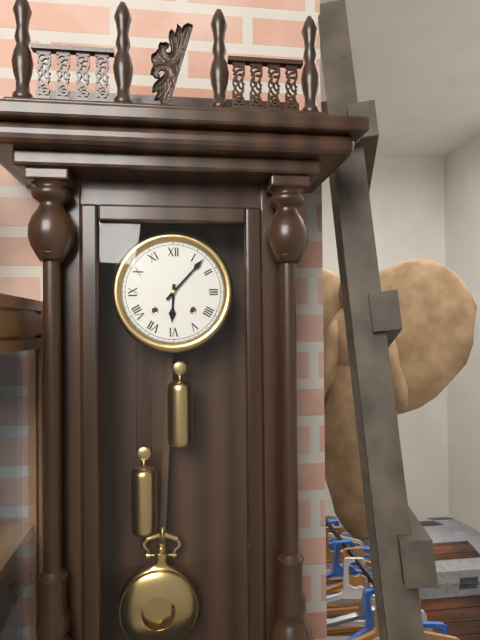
**6:07**
